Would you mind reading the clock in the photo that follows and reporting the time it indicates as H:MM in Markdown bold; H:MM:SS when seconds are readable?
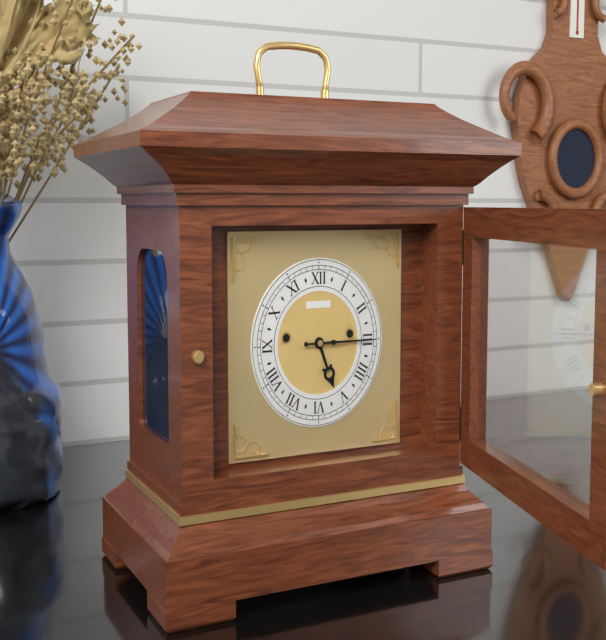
**5:15**
